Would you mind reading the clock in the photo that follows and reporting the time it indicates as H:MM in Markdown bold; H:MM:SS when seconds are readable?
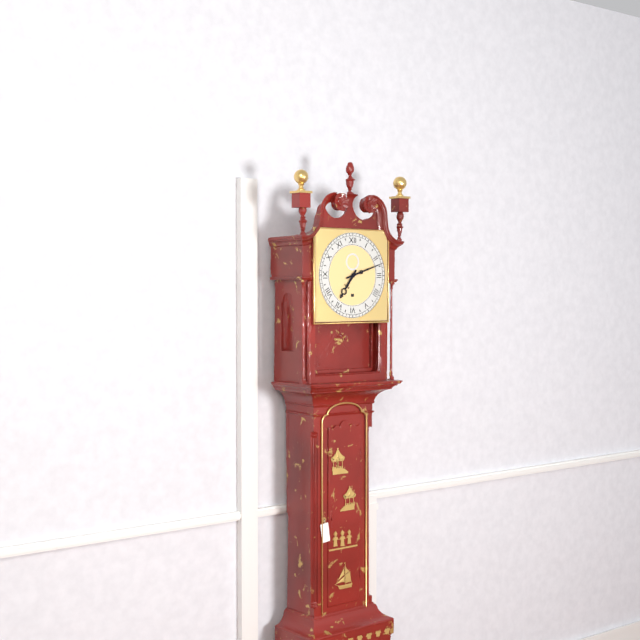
**7:12**
